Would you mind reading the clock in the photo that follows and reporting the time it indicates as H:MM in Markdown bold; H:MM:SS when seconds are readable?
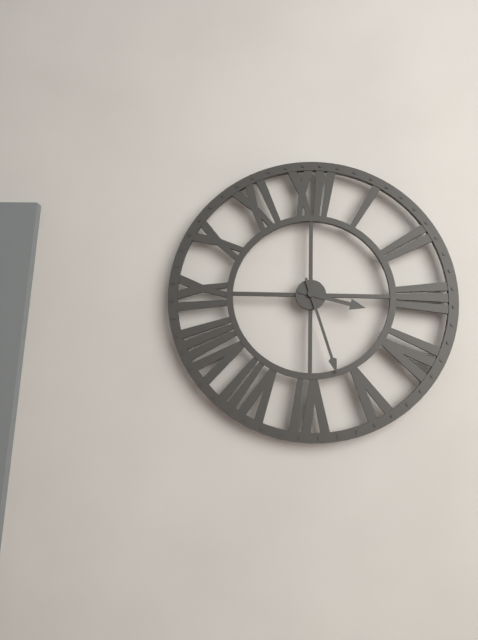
**3:27**
